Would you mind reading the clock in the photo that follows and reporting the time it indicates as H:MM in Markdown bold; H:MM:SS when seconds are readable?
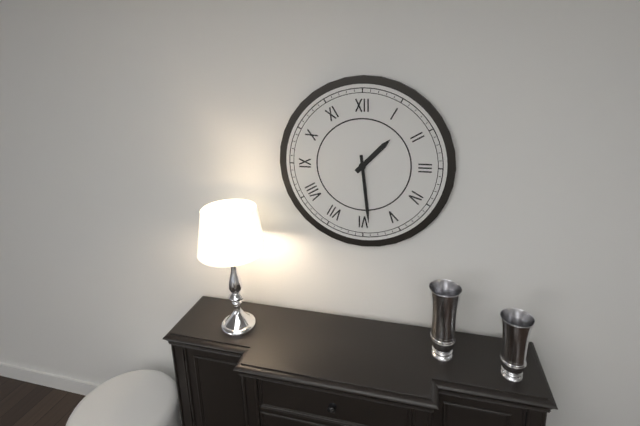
**1:29**
